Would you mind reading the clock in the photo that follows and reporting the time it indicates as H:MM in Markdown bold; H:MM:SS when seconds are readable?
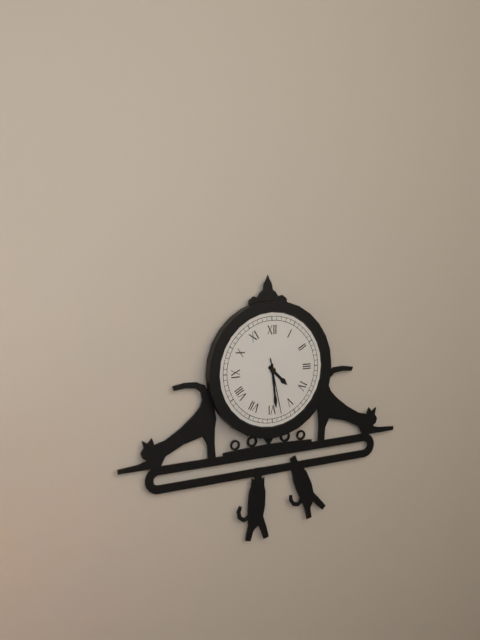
**4:29:28**
